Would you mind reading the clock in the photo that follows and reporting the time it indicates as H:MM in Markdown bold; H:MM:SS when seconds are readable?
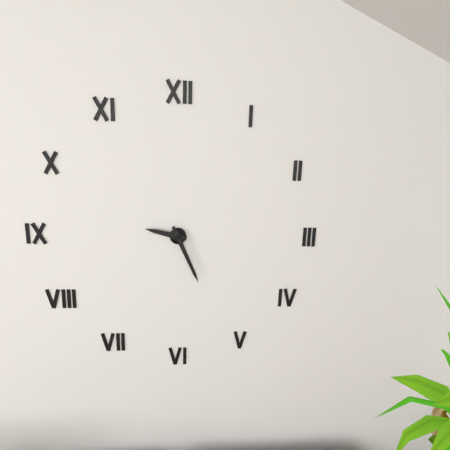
**9:26**
